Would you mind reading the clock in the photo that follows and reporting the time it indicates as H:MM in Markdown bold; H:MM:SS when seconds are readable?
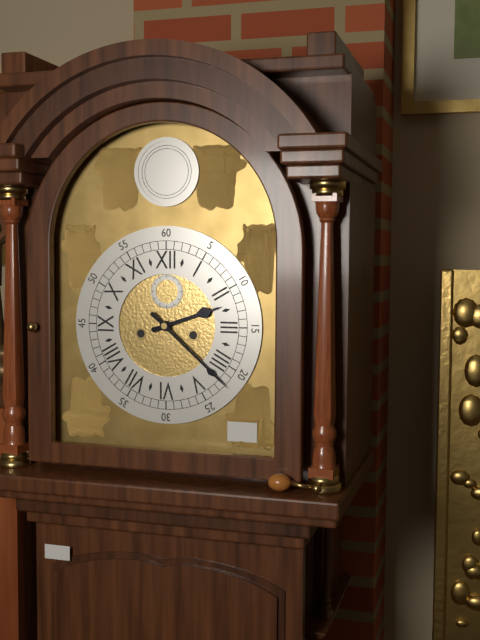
**2:22**
